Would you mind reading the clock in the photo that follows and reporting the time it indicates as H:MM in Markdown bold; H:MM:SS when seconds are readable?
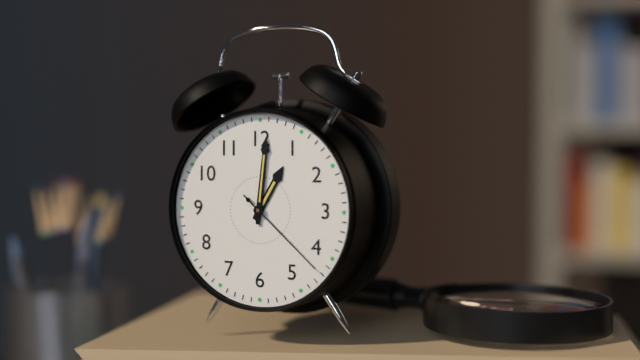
**1:01:22**
